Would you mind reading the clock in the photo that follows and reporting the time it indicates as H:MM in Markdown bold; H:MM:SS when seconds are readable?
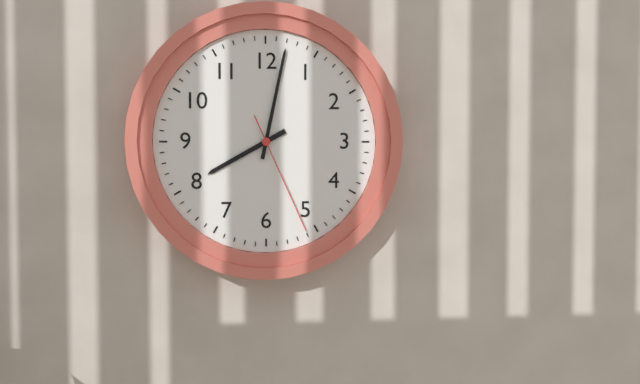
**8:02:26**
